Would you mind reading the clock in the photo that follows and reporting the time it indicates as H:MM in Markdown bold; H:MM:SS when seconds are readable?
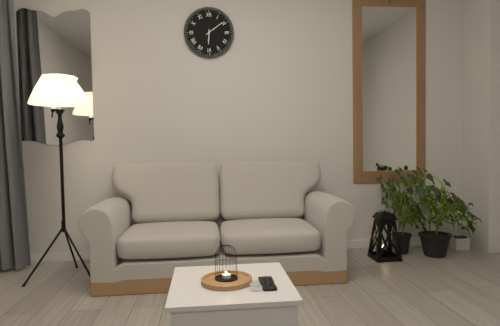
**6:09**
